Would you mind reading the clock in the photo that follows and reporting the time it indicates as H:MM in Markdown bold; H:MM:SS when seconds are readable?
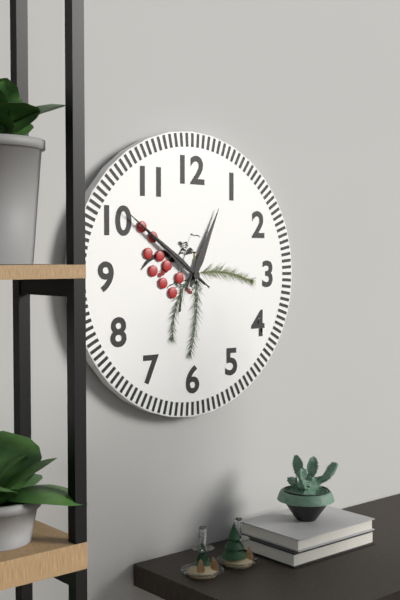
**12:51:51**
